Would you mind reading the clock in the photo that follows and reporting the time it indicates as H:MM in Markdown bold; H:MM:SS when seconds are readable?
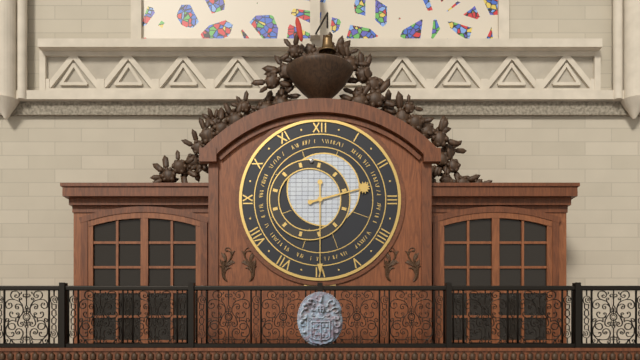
**2:30**
